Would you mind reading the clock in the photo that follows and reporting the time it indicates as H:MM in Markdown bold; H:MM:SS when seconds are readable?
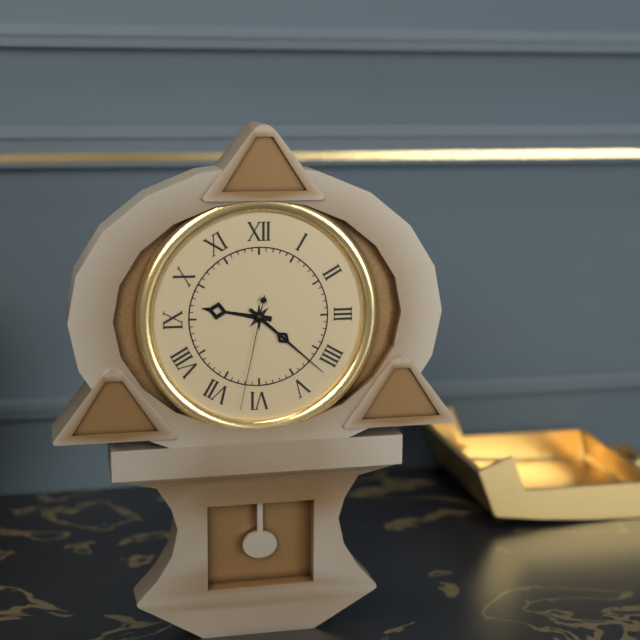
**9:22:32**
